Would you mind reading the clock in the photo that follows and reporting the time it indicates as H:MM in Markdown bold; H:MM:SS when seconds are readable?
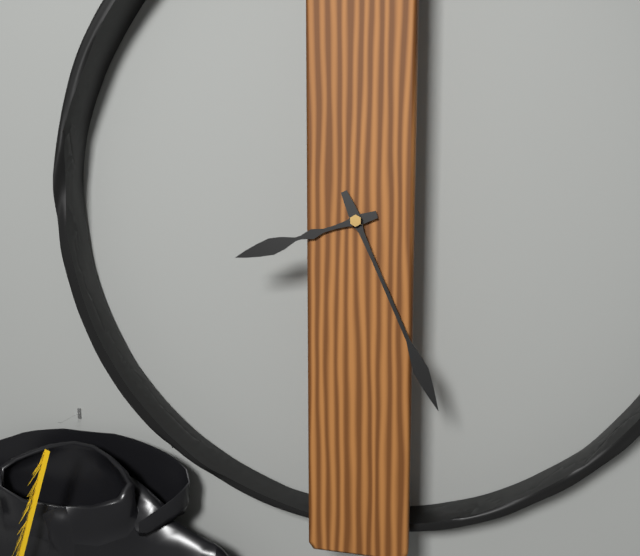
**8:26**
